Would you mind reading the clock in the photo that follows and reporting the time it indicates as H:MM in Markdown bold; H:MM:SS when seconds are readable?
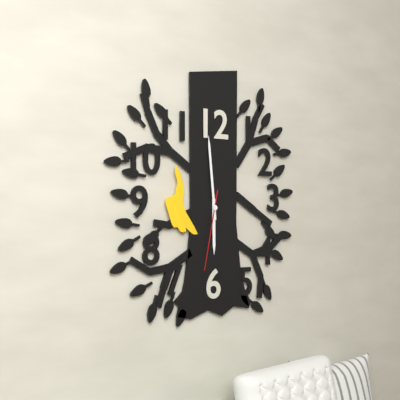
**5:59:32**
